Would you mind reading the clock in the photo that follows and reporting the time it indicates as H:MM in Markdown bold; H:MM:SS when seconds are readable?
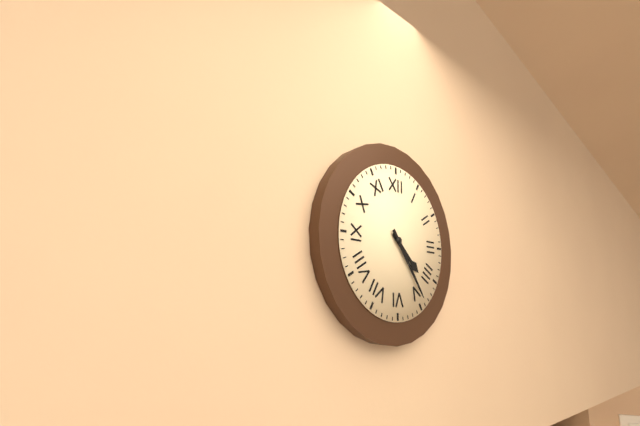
**4:24**
